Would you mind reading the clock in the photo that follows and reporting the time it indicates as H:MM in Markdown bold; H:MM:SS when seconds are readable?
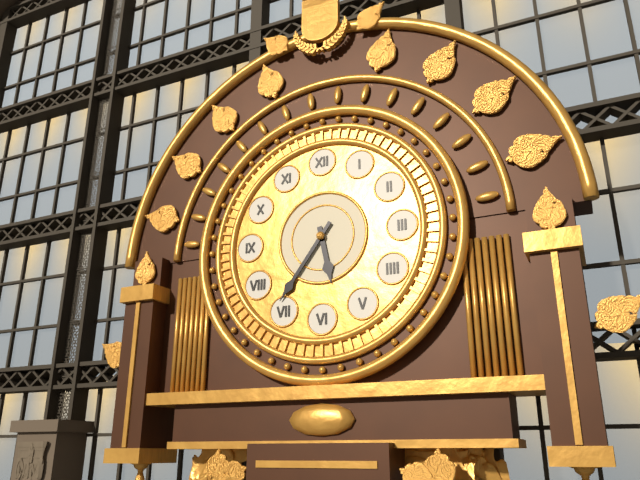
**5:36**
